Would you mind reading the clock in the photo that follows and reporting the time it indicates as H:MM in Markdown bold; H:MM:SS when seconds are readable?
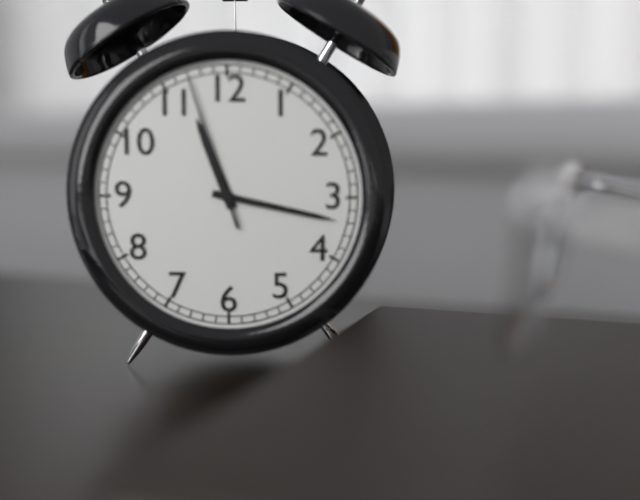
**11:17:57**
